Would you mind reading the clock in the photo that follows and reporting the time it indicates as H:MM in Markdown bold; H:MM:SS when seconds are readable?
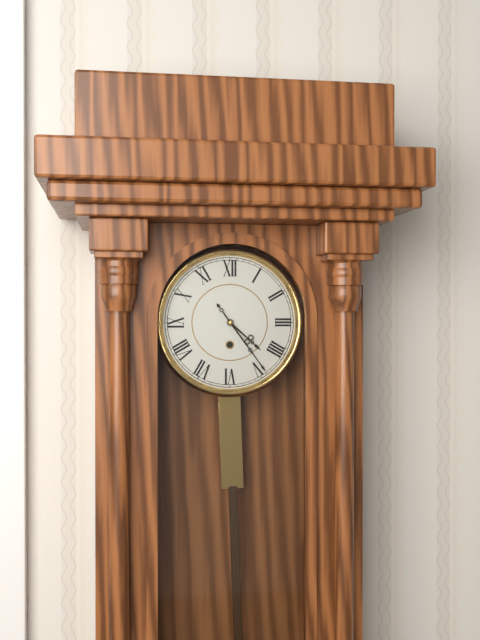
**4:24**
